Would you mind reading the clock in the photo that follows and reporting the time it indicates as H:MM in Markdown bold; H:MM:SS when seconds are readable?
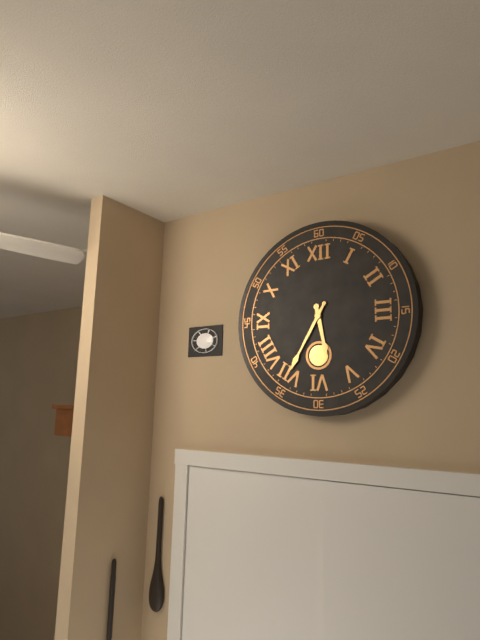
**5:35**
